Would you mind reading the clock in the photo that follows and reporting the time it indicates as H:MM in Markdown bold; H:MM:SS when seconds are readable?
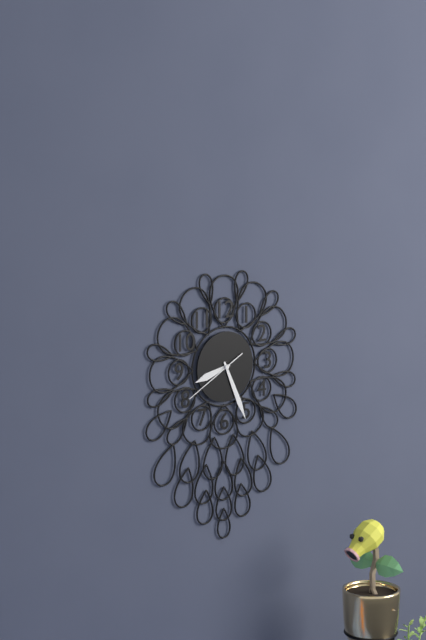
**8:26:40**
